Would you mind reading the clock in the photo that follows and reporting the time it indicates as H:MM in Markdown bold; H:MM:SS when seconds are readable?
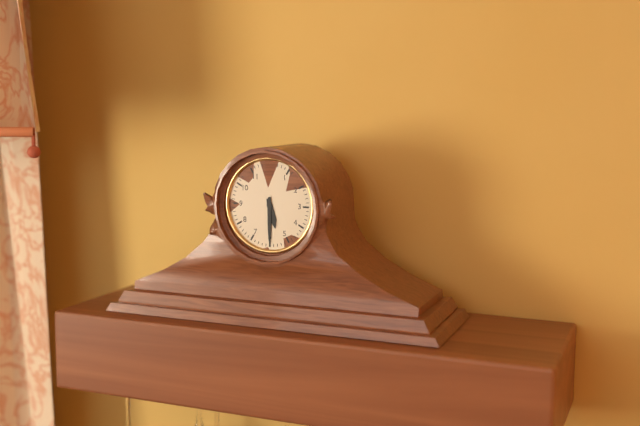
**5:30**
